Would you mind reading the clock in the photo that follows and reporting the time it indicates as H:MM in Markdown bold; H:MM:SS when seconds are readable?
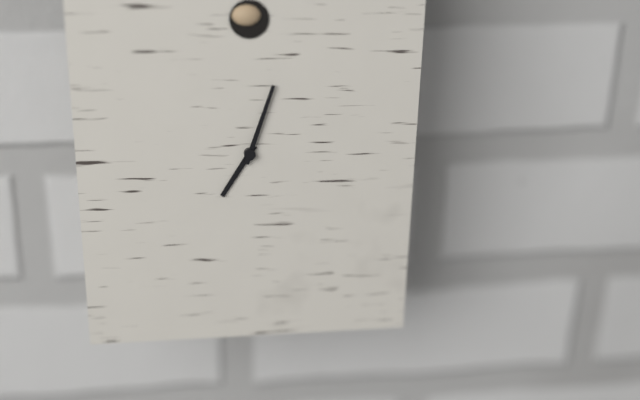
**7:03**
